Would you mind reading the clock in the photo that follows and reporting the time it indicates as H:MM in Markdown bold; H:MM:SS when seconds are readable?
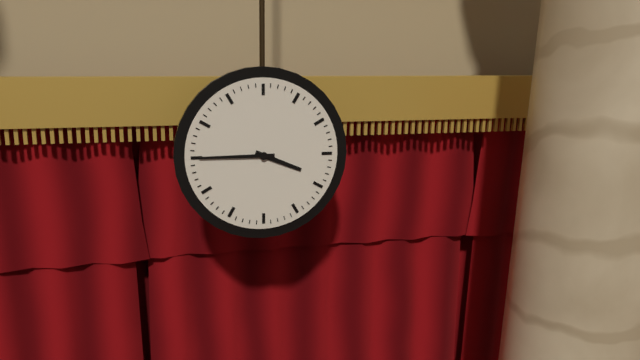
**3:45**
